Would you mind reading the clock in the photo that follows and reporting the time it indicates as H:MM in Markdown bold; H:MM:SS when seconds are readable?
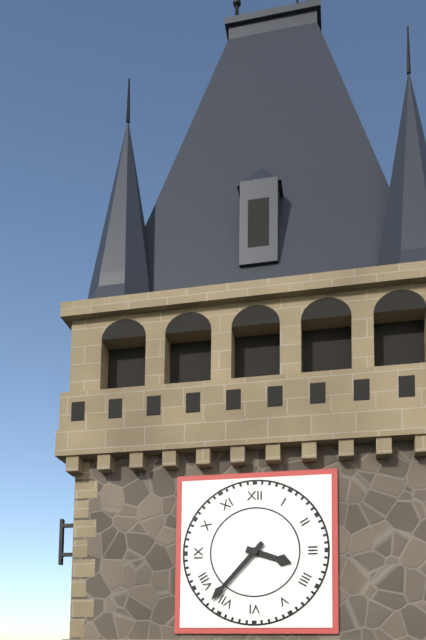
**3:37**
